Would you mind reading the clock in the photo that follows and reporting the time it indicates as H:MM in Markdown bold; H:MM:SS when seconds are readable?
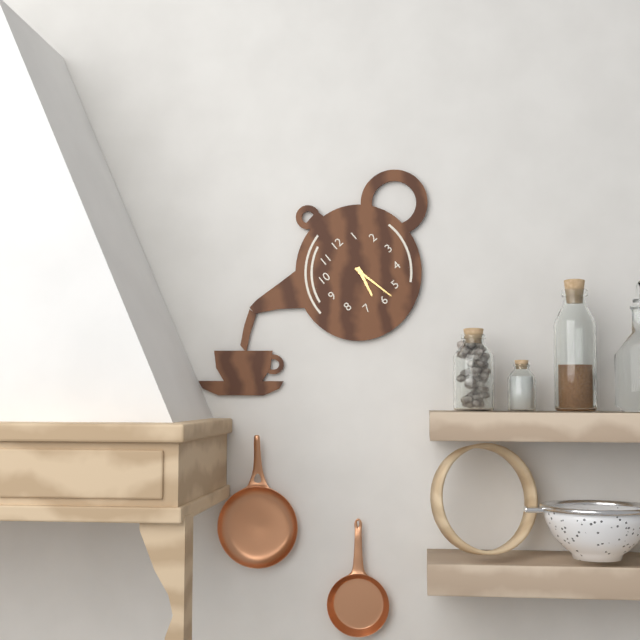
**6:28**
